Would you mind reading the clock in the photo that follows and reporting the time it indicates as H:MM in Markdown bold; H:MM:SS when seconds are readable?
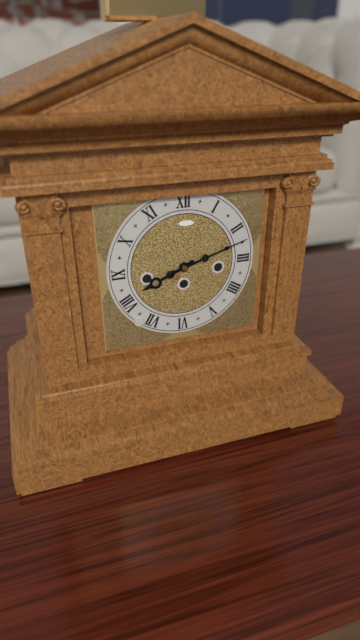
**8:12**
